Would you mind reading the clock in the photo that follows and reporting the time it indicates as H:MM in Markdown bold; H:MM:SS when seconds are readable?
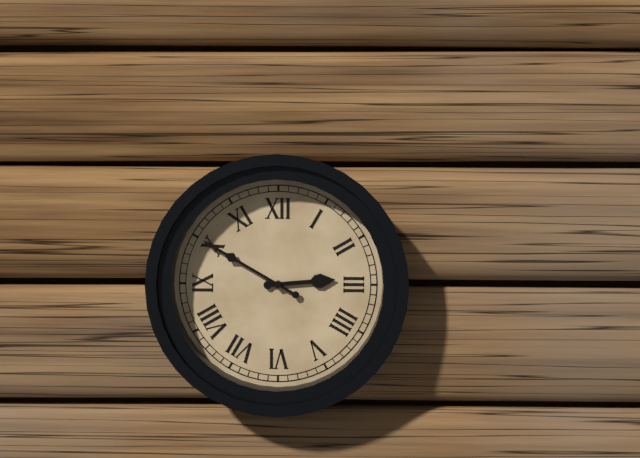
**2:50**
